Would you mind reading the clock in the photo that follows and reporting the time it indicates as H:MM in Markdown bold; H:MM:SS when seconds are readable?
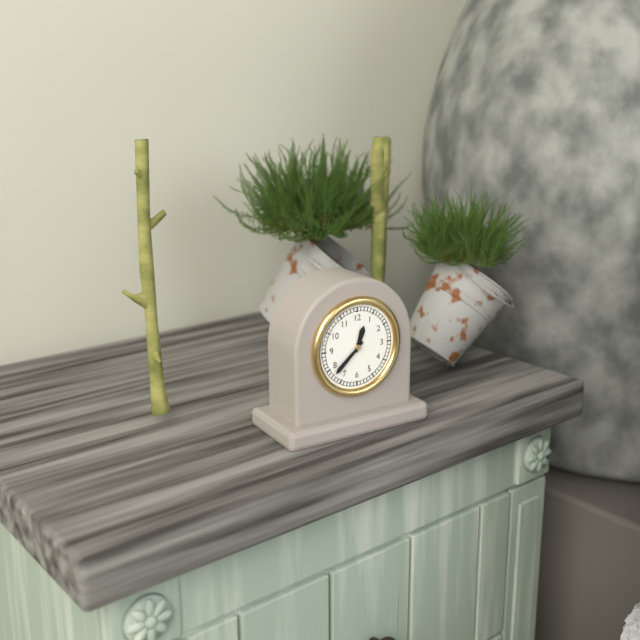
**12:38**
